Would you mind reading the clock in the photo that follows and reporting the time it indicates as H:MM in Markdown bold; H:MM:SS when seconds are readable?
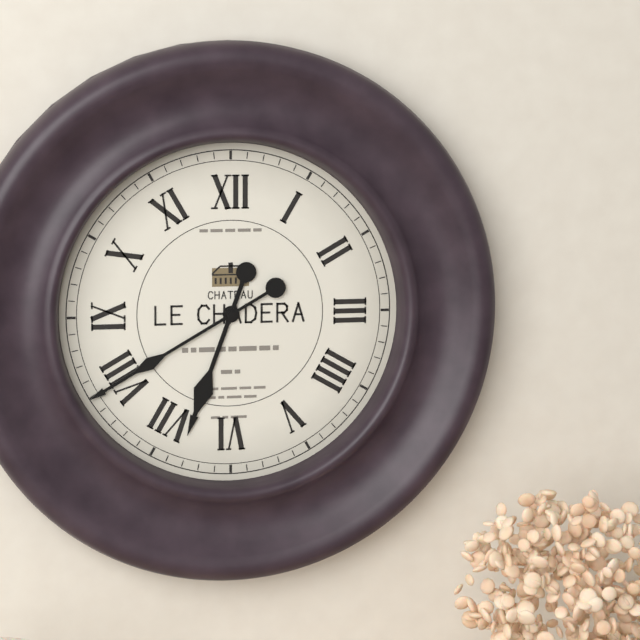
**6:40**
